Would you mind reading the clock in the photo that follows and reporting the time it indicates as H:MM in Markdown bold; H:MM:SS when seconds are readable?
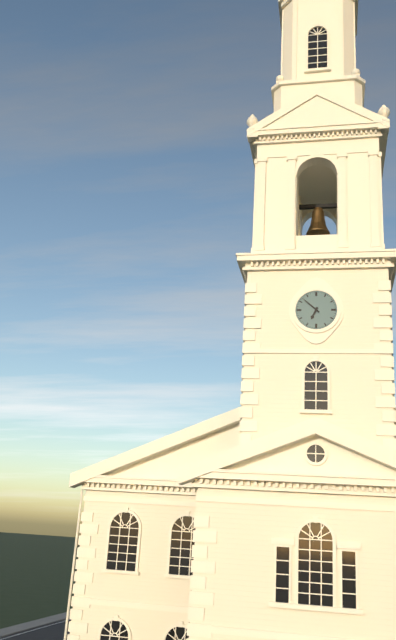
**6:52**
